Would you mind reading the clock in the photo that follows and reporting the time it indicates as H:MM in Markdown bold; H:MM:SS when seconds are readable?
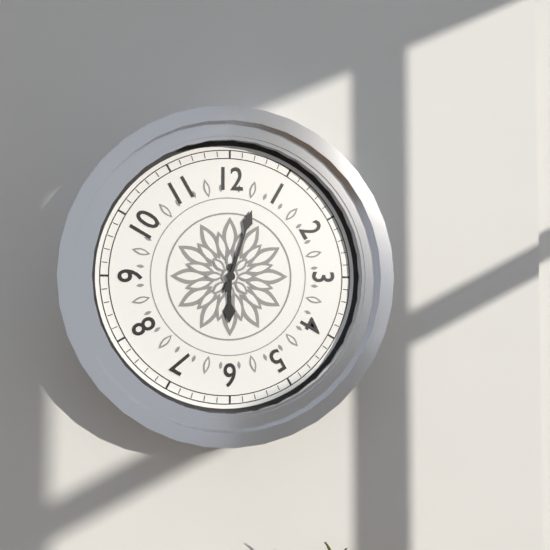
**6:03**
